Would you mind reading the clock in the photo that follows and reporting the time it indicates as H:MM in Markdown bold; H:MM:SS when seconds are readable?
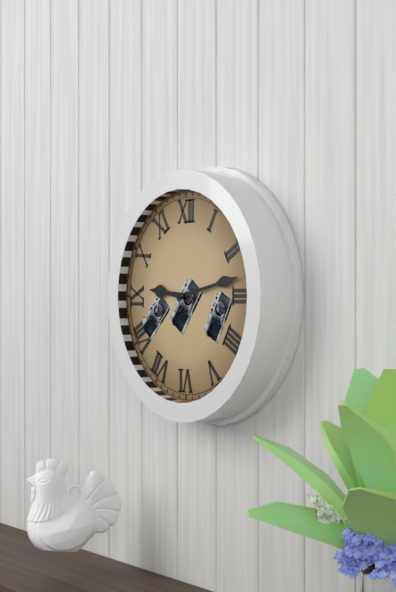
**9:13**
